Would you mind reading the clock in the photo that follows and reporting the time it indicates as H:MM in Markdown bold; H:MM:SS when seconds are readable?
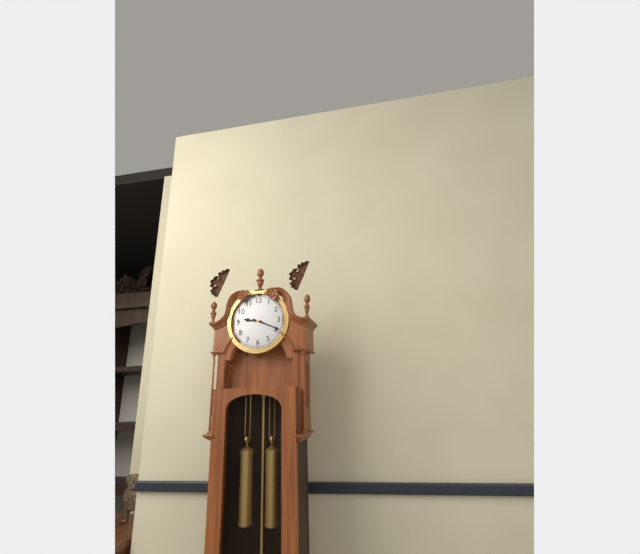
**9:19**
